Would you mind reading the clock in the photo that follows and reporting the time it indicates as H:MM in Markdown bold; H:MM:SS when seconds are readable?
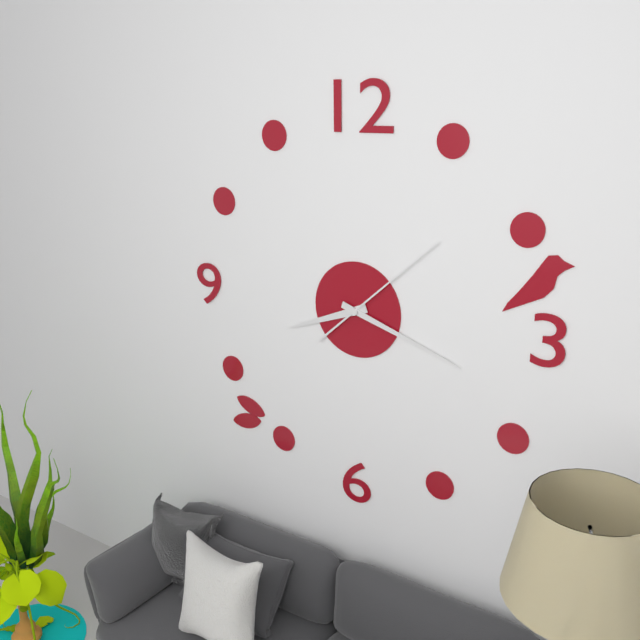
**8:18:08**
